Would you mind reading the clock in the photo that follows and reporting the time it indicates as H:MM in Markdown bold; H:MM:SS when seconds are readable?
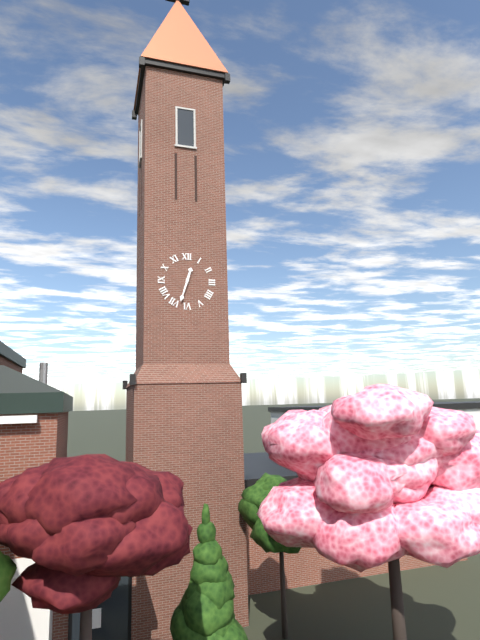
**12:33**
